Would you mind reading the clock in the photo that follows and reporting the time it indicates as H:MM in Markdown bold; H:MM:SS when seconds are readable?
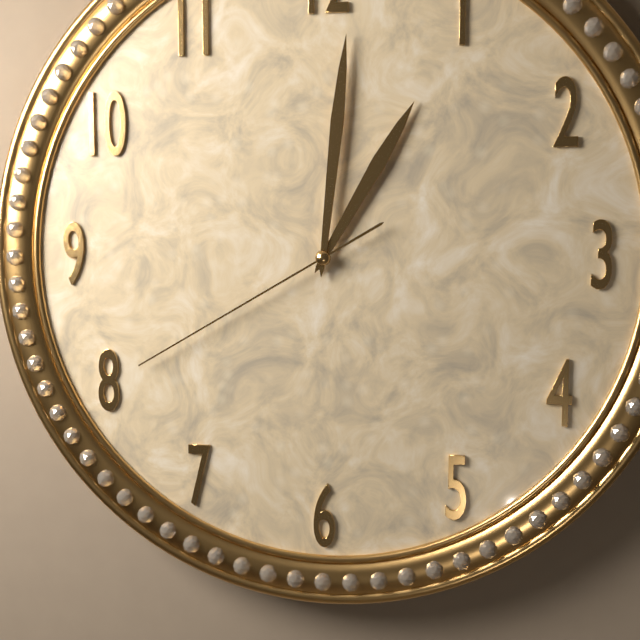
**1:01:40**
